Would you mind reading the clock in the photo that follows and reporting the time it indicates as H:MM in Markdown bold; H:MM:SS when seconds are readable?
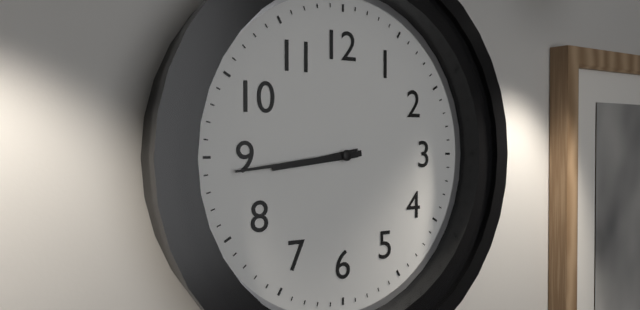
**8:44**
